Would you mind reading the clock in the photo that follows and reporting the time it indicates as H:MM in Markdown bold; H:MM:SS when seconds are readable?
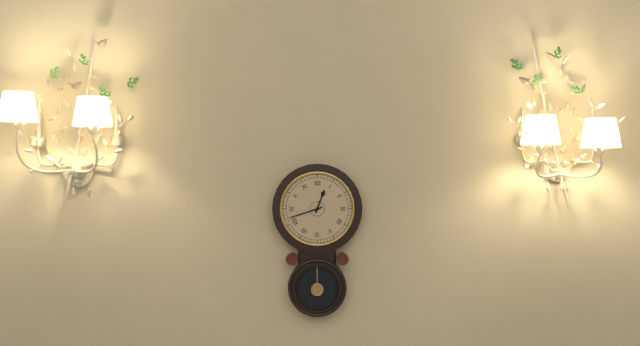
**12:42**
